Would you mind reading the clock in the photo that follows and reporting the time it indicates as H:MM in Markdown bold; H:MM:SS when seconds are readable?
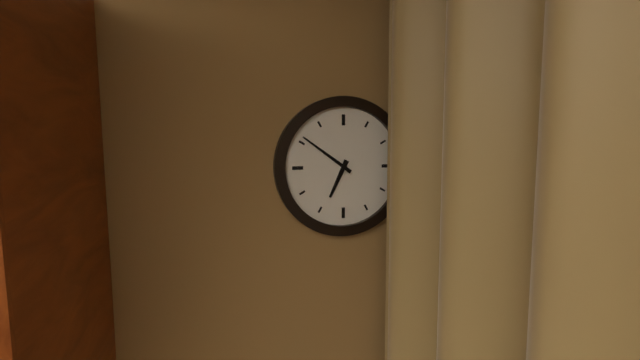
**6:51**
